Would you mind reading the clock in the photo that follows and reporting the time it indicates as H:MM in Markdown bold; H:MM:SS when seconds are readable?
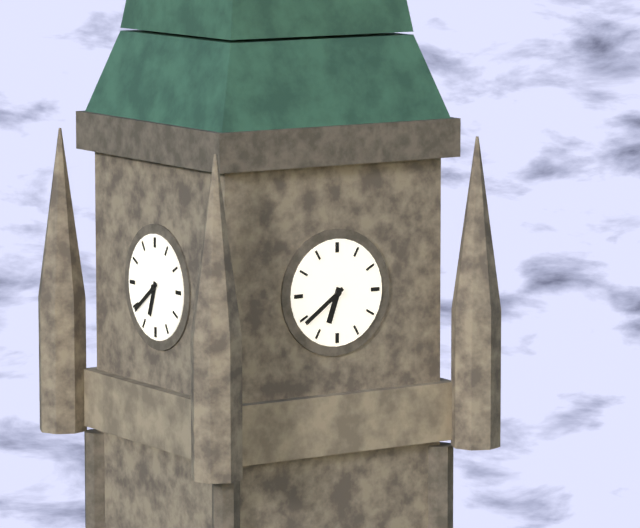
**6:39**
